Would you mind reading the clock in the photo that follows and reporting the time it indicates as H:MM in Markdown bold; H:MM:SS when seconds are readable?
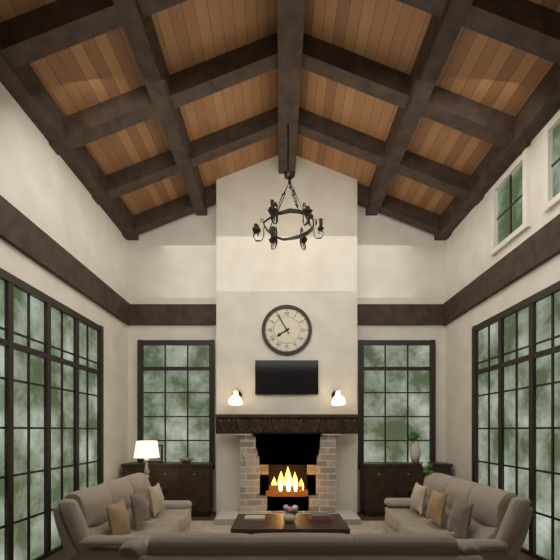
**7:55**
